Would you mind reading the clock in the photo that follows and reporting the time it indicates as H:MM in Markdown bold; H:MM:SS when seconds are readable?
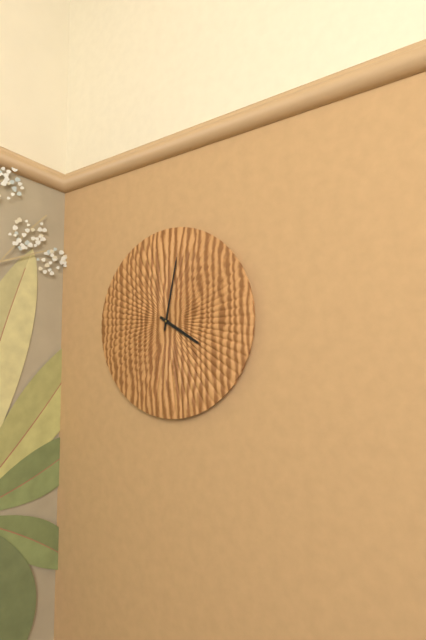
**4:02**
